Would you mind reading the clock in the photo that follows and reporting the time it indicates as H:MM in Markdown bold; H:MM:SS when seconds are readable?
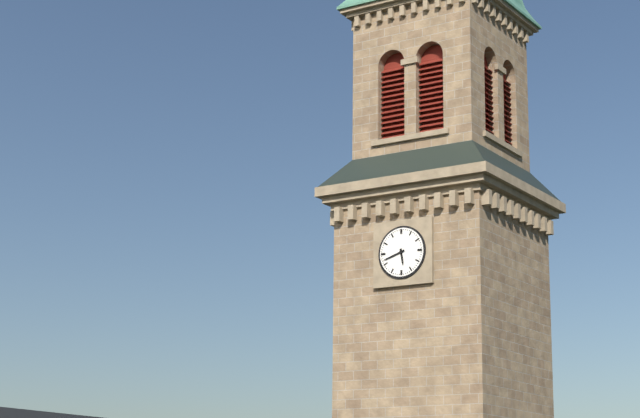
**5:42**
